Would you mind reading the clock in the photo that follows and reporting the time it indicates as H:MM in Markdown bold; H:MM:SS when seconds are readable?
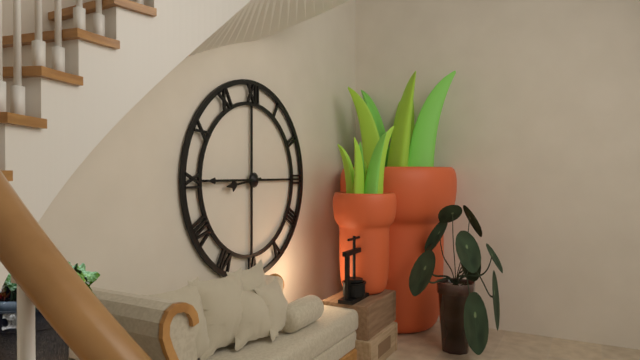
**8:45**
